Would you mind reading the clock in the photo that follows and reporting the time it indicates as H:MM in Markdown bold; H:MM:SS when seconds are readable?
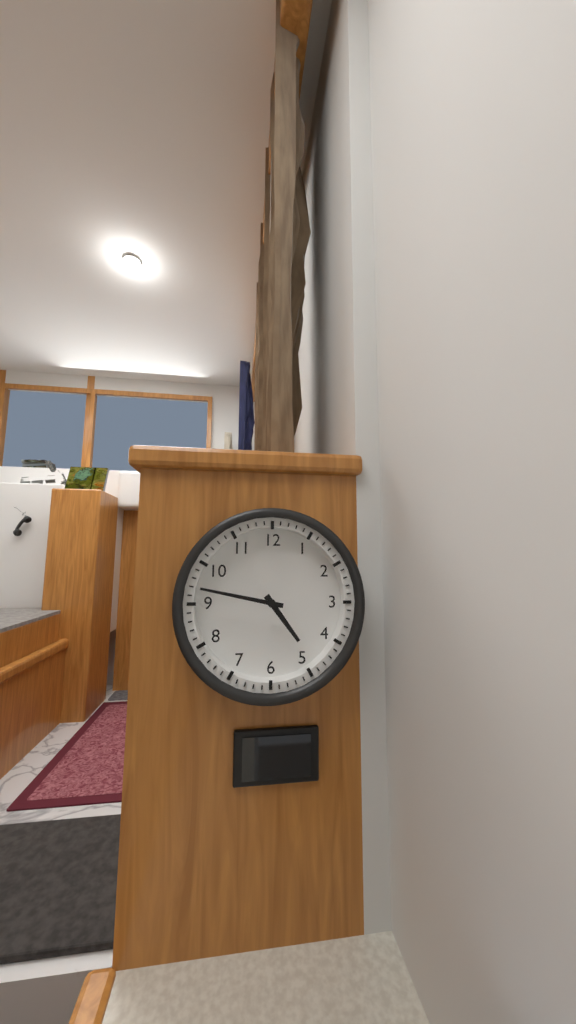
**4:47**
